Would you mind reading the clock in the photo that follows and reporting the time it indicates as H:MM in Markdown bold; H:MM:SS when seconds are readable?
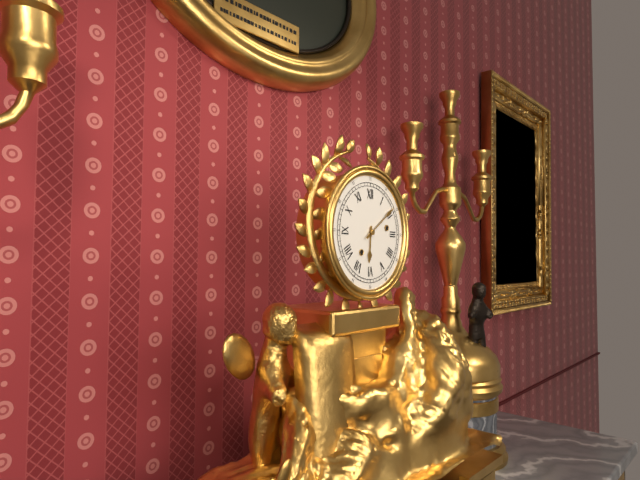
**6:09**
